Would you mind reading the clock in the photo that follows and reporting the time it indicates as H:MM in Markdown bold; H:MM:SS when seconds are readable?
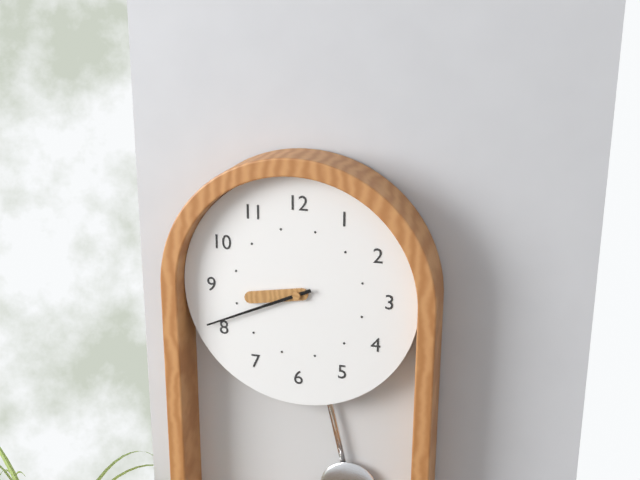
**8:41**
